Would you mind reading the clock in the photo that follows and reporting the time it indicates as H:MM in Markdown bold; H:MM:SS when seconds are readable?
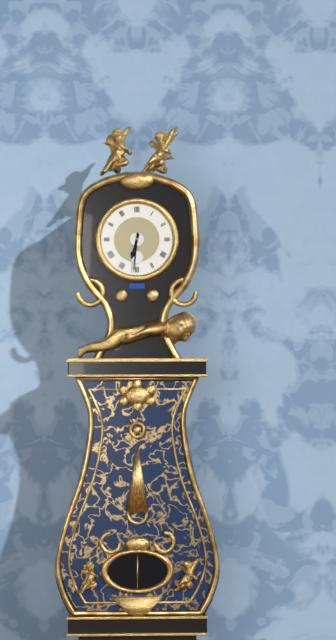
**6:31**
